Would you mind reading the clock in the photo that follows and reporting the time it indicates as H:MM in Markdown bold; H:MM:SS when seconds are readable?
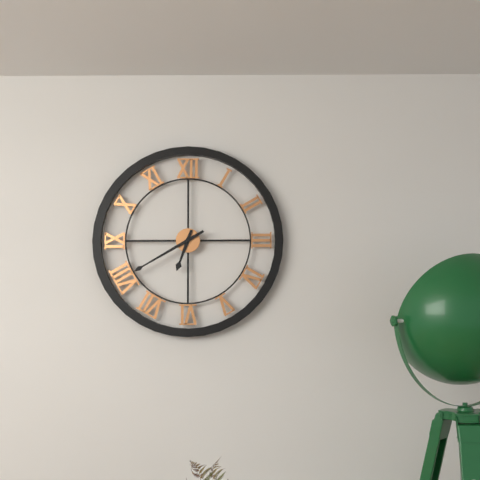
**6:40**
